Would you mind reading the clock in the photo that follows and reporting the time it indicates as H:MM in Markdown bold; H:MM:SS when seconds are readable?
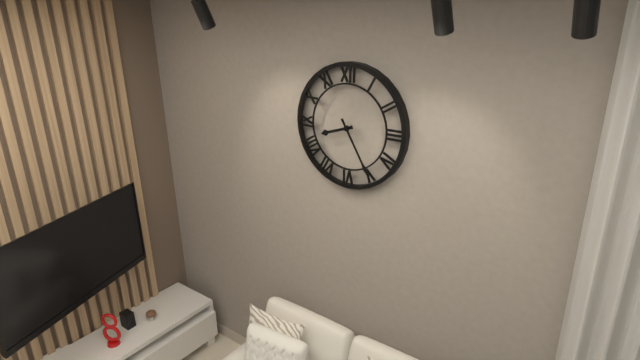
**8:25**
